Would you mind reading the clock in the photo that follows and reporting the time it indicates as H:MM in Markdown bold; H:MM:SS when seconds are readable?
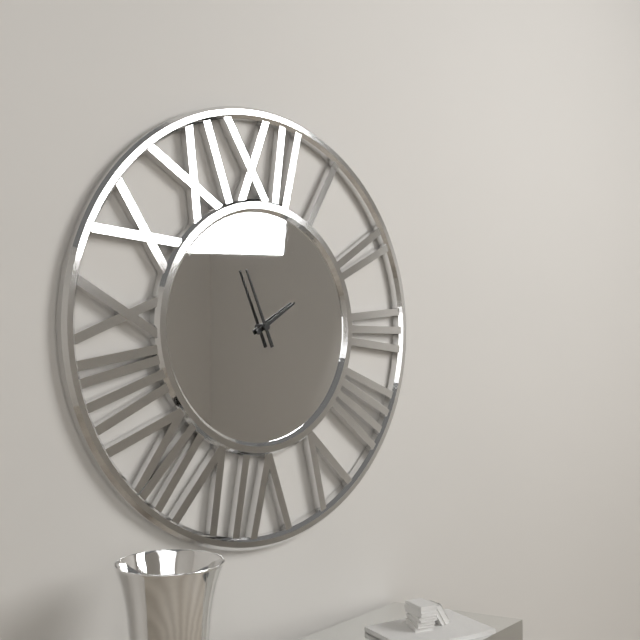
**1:56**
